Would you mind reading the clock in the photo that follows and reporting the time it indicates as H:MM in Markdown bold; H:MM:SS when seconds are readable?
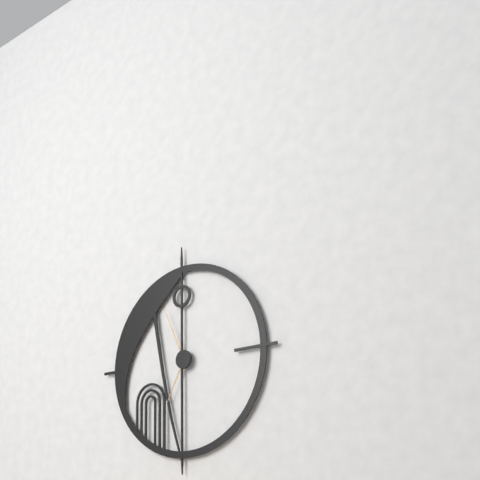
**6:56**
